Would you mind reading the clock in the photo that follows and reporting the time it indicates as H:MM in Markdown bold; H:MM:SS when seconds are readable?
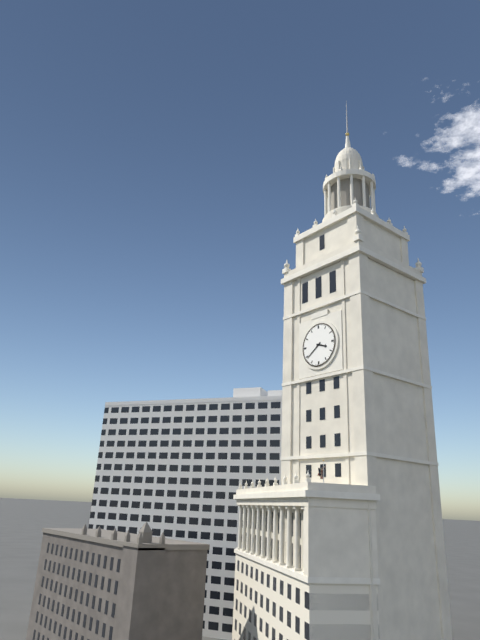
**3:39**
